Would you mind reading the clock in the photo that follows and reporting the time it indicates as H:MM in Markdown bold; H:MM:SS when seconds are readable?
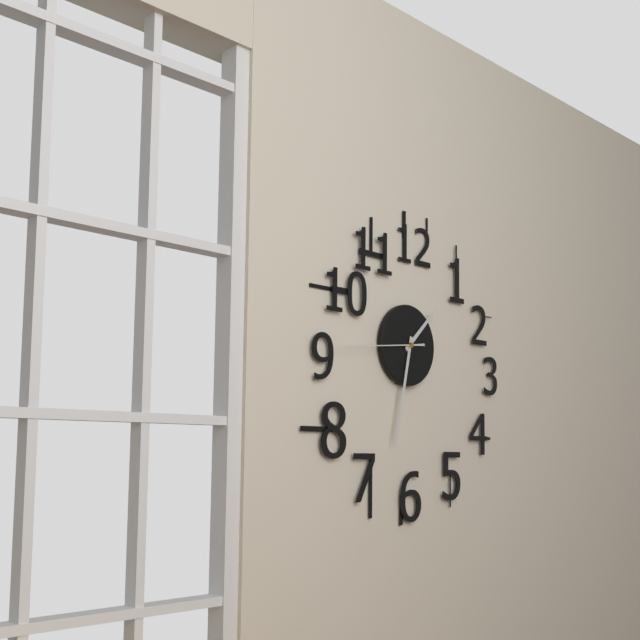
**1:32:44**
